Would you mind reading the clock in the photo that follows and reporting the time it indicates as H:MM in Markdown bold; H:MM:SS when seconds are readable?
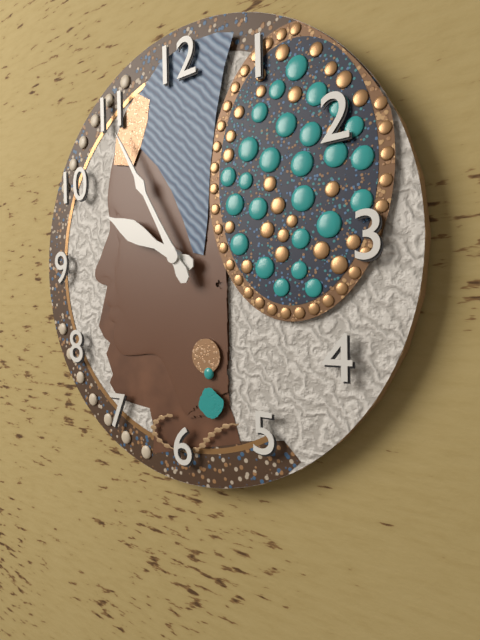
**9:55**
